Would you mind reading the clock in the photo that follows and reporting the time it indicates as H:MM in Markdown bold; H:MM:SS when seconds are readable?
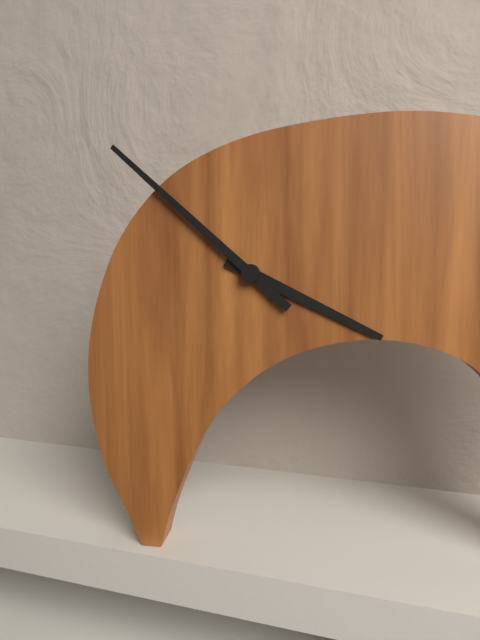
**3:52**
